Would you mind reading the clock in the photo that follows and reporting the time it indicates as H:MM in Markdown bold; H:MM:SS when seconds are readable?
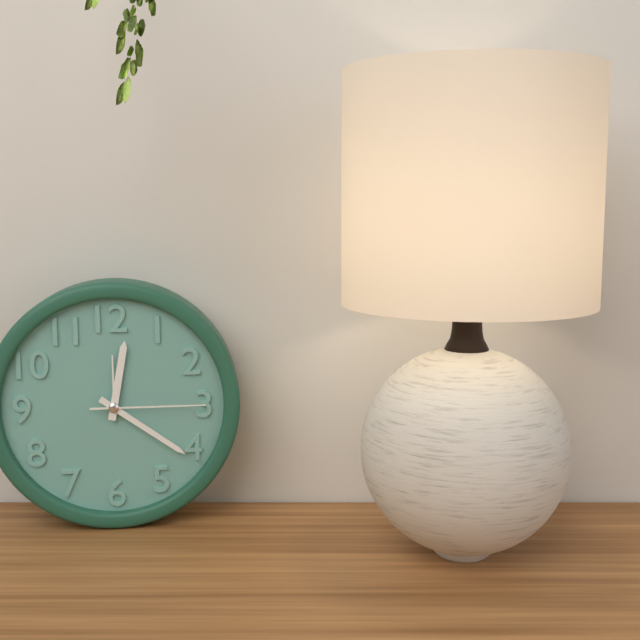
**12:21:15**
